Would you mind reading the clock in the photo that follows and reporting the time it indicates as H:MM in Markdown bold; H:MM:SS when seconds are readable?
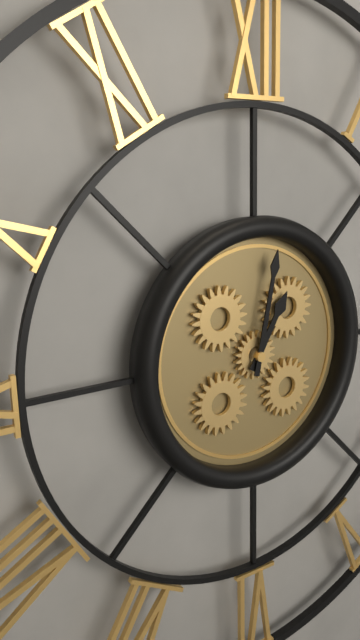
**1:02**
